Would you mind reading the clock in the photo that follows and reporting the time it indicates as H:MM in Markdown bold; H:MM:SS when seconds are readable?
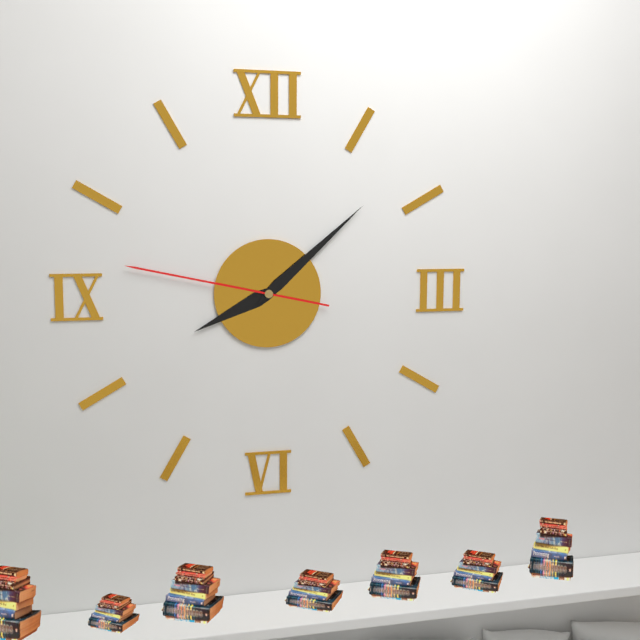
**8:08:47**
